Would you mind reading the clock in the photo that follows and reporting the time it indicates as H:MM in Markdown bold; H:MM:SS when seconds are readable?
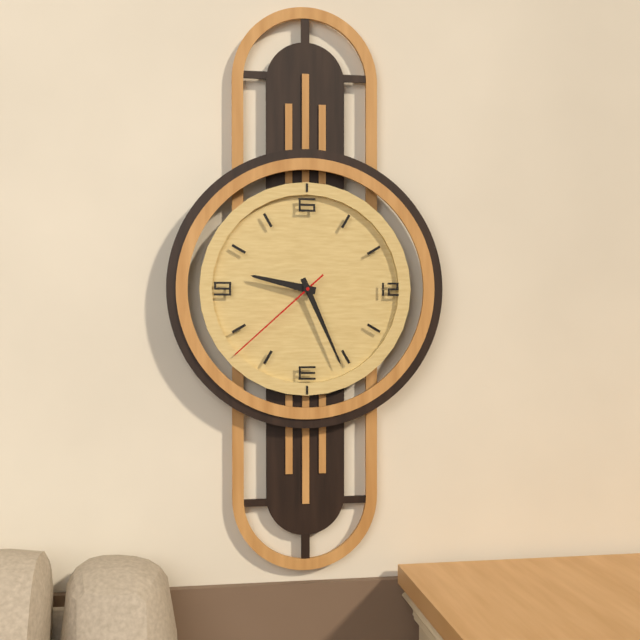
**9:26:38**
